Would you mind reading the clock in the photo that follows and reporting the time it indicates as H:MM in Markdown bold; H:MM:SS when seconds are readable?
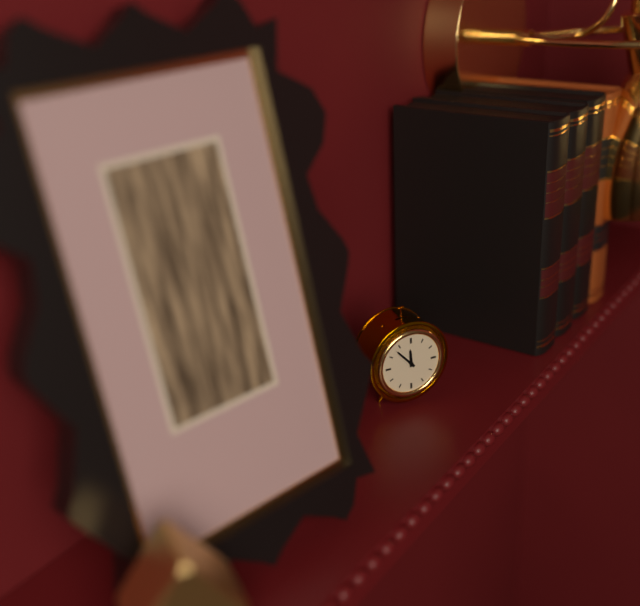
**11:53**
